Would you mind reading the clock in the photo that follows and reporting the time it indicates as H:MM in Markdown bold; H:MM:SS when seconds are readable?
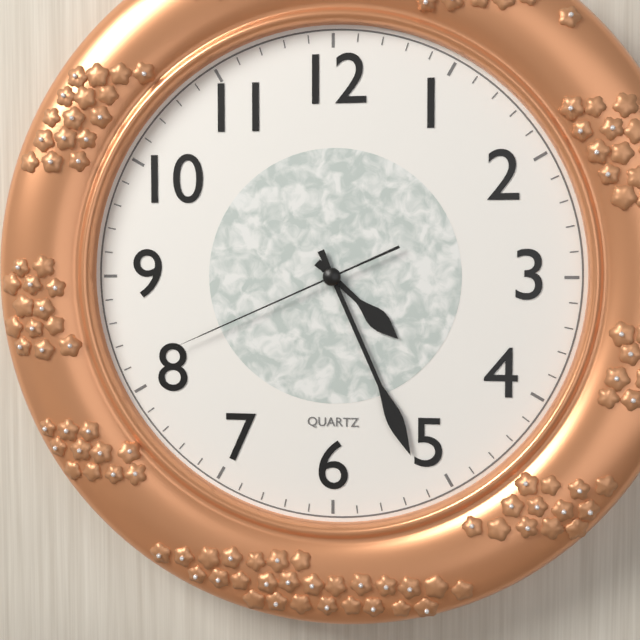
**4:26:41**
